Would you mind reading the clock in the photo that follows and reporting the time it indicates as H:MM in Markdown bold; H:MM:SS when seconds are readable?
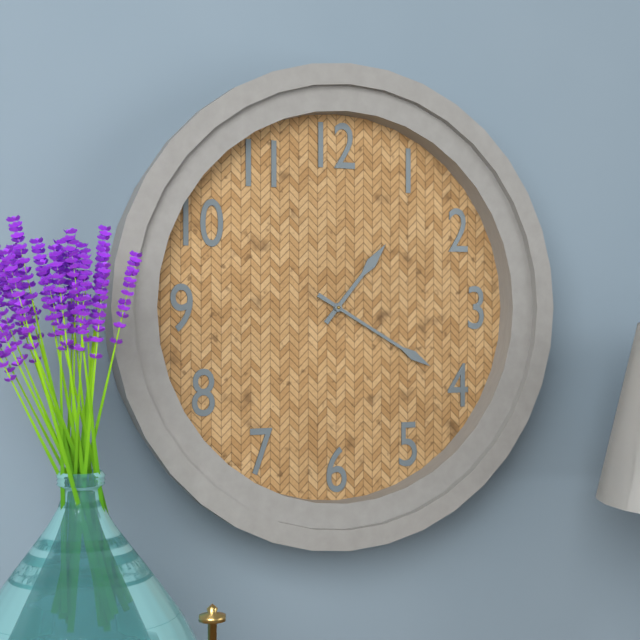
**1:20**
